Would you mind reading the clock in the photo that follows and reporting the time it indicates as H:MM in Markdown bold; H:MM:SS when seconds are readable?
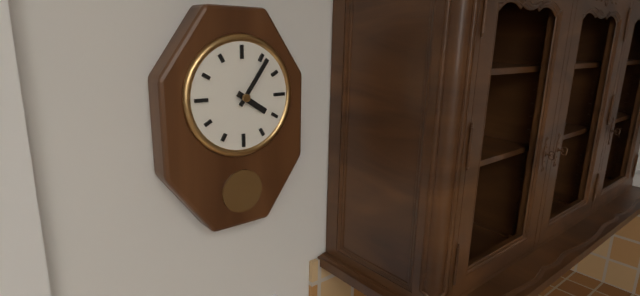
**4:06**
